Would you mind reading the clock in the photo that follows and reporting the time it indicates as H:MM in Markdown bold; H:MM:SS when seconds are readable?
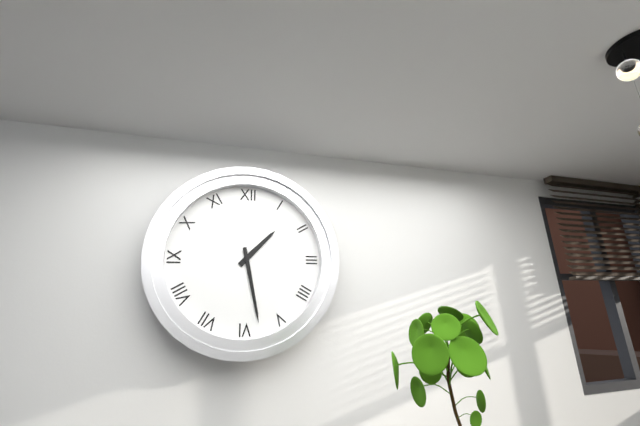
**1:28**
